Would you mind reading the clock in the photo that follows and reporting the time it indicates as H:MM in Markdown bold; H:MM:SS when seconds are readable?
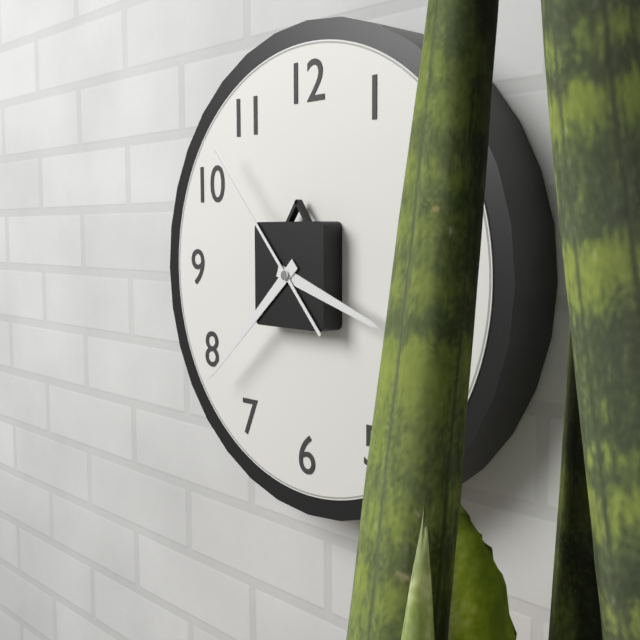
**3:38:53**
